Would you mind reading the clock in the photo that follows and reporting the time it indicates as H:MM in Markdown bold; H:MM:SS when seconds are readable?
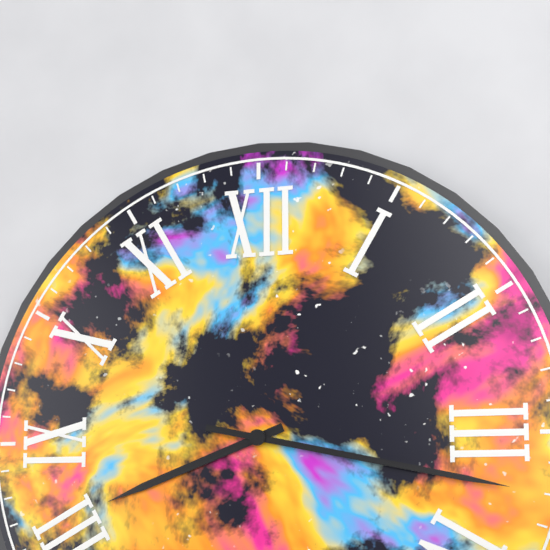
**8:17**
